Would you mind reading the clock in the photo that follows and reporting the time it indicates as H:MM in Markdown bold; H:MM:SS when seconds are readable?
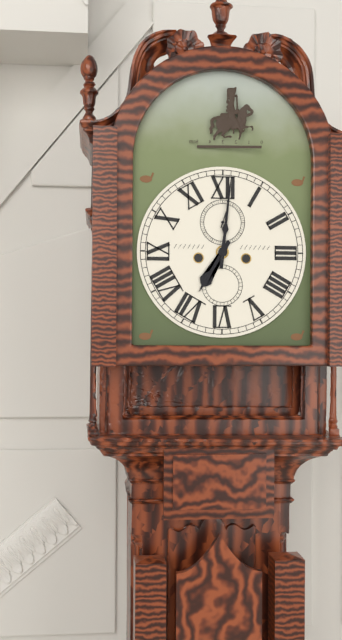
**7:01**
